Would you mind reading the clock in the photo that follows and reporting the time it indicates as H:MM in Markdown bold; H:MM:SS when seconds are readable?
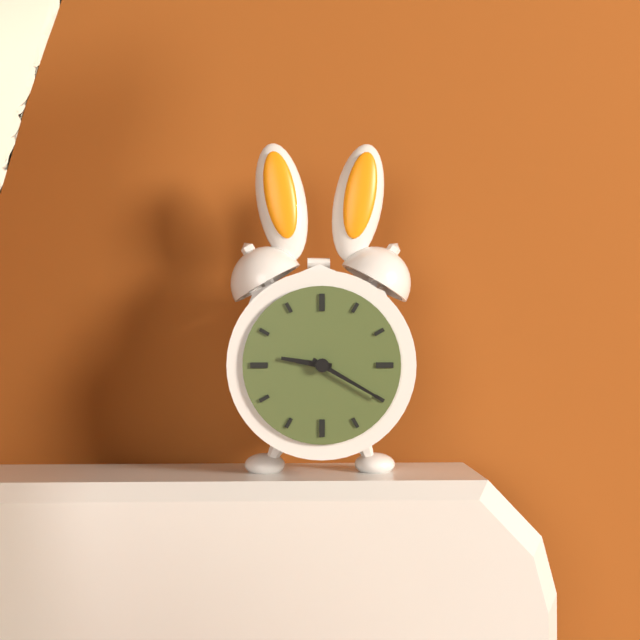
**9:20**
